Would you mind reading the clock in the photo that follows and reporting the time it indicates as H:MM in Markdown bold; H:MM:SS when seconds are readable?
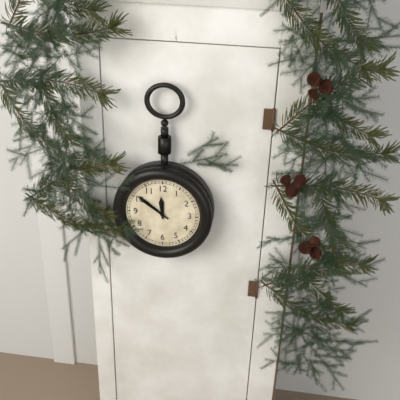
**11:51**
